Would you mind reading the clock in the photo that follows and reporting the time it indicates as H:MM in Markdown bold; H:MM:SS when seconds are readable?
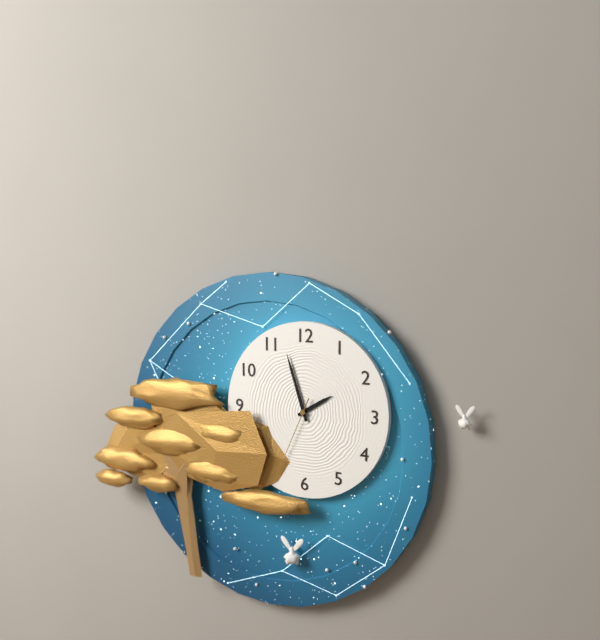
**1:57:34**
